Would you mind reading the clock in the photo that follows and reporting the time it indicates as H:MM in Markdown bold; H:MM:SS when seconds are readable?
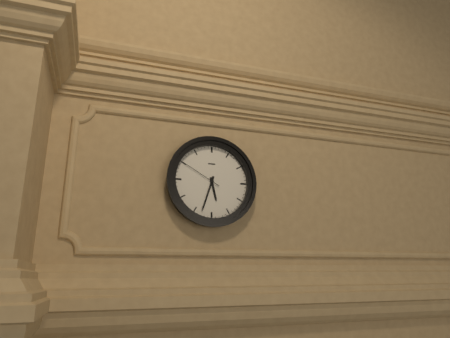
**5:33**
